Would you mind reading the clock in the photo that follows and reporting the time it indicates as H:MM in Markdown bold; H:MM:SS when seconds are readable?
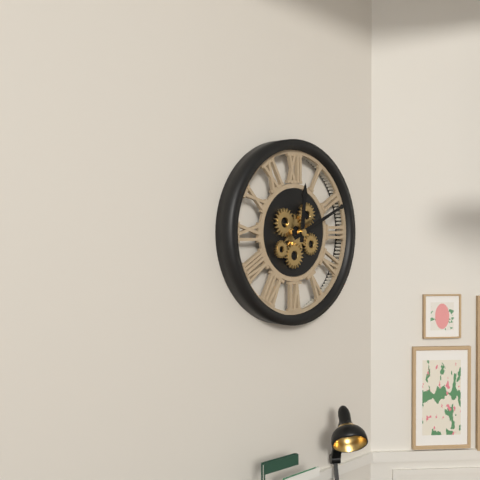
**12:11**
